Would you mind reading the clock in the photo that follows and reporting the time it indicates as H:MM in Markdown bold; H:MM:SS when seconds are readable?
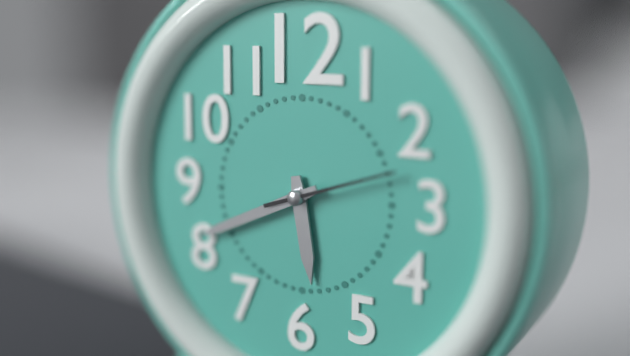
**5:41:12**
